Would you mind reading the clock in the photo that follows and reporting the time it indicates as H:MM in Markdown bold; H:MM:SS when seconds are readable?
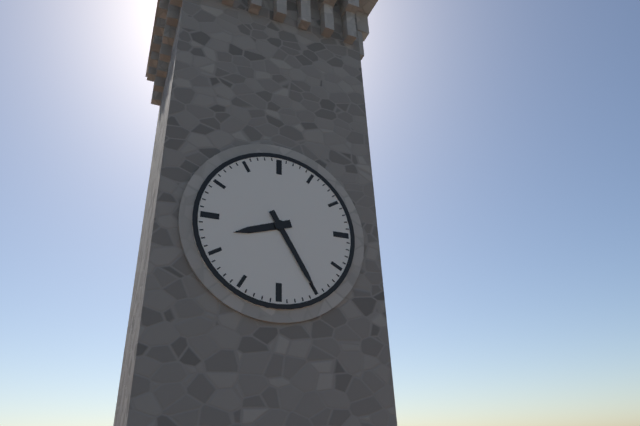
**8:25**
